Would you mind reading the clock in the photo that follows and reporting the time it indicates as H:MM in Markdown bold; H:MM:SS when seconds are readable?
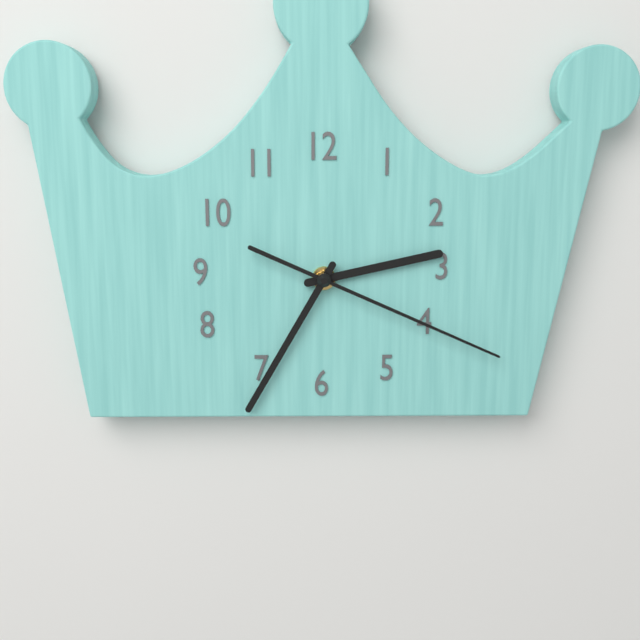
**2:35:19**
